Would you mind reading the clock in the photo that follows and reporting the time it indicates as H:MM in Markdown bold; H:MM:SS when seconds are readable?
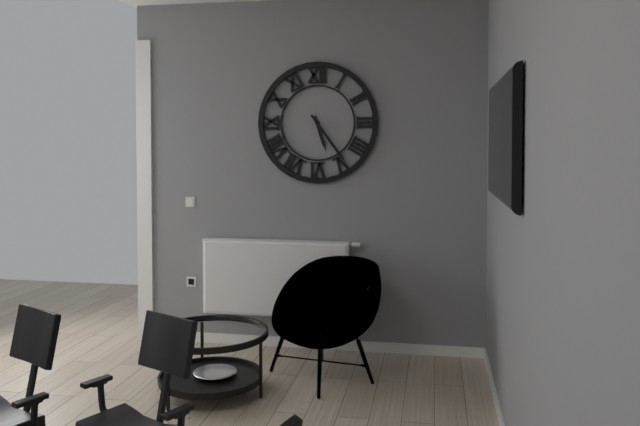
**5:24**
